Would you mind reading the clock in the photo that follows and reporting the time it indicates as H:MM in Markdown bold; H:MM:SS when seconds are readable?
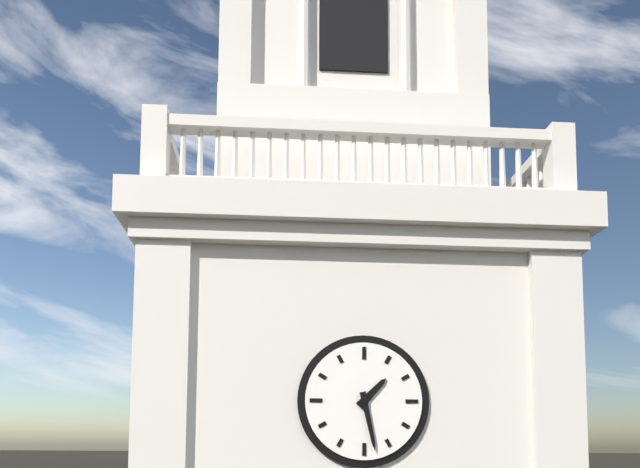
**1:28**
